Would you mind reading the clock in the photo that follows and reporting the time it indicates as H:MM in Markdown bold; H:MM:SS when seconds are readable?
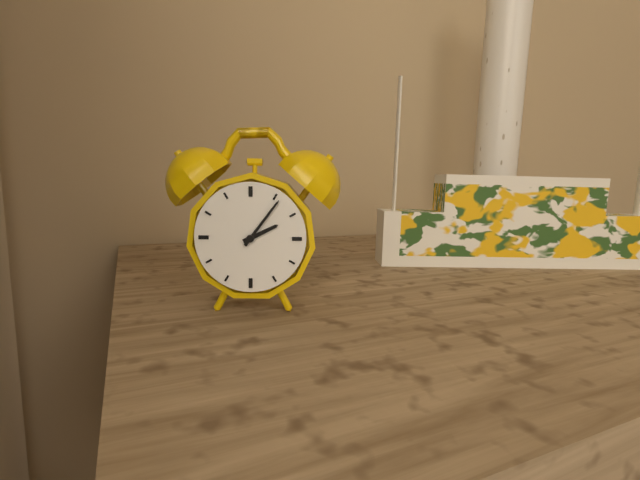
**2:06**
